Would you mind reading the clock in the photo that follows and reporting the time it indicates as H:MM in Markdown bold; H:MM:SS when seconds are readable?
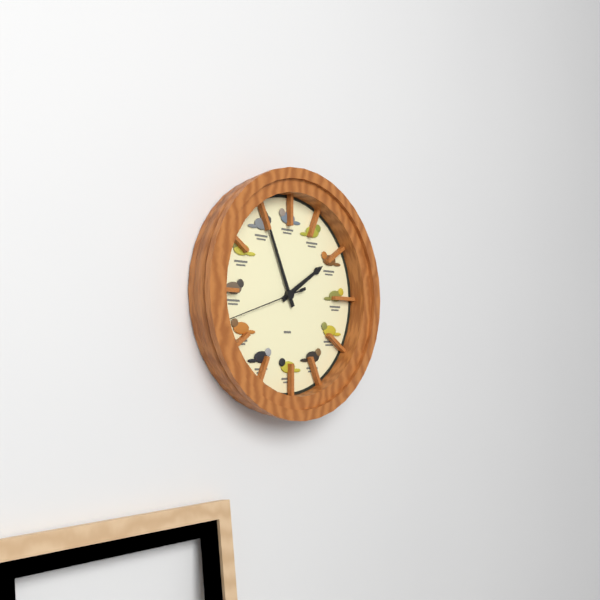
**1:56:42**
